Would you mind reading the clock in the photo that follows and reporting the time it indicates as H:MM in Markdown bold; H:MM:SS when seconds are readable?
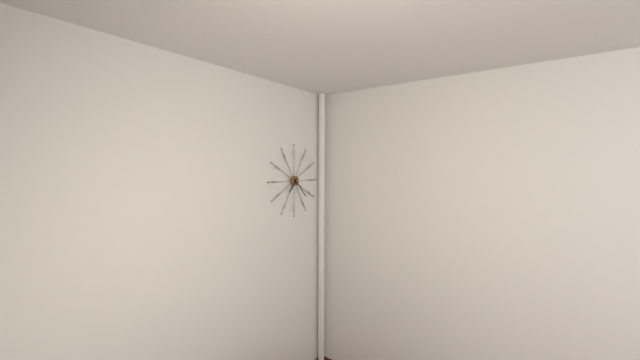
**7:23**
